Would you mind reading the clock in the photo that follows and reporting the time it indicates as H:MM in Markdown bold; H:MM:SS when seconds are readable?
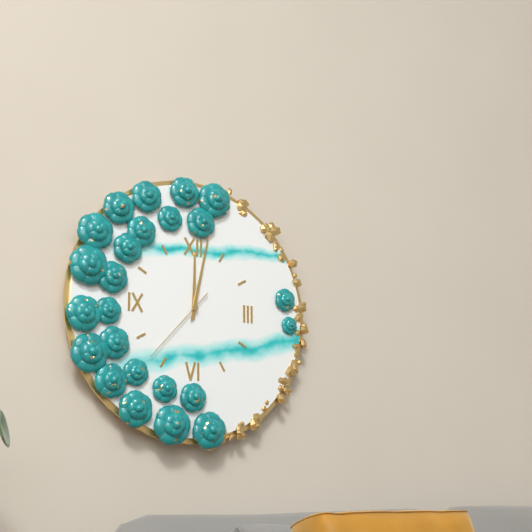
**12:02:37**
